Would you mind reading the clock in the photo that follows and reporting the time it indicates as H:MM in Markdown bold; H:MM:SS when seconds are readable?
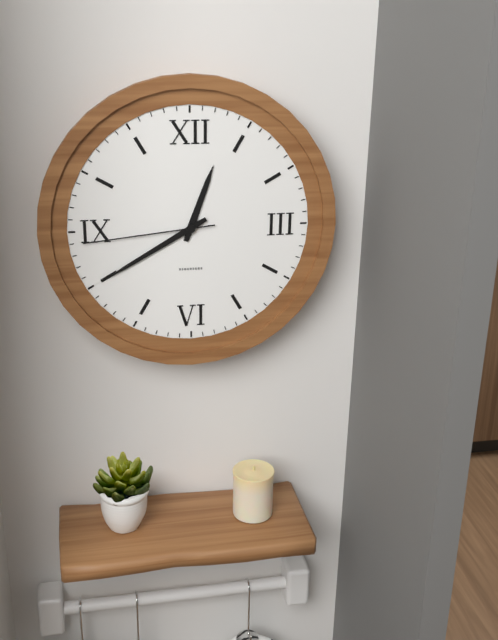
**12:40:44**
